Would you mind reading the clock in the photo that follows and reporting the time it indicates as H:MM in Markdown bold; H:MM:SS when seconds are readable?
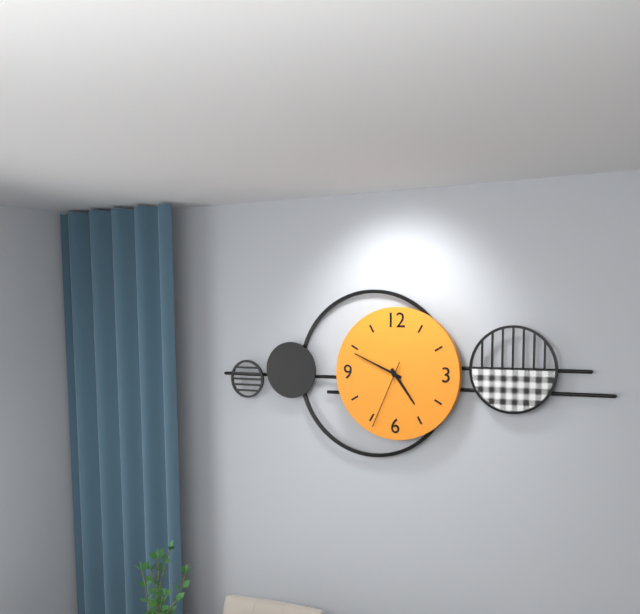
**4:49:34**
